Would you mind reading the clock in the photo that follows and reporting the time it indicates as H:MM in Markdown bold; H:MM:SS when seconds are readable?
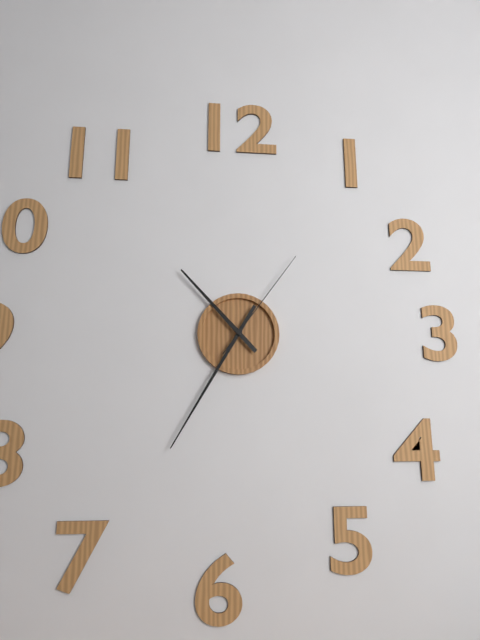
**10:35:06**
